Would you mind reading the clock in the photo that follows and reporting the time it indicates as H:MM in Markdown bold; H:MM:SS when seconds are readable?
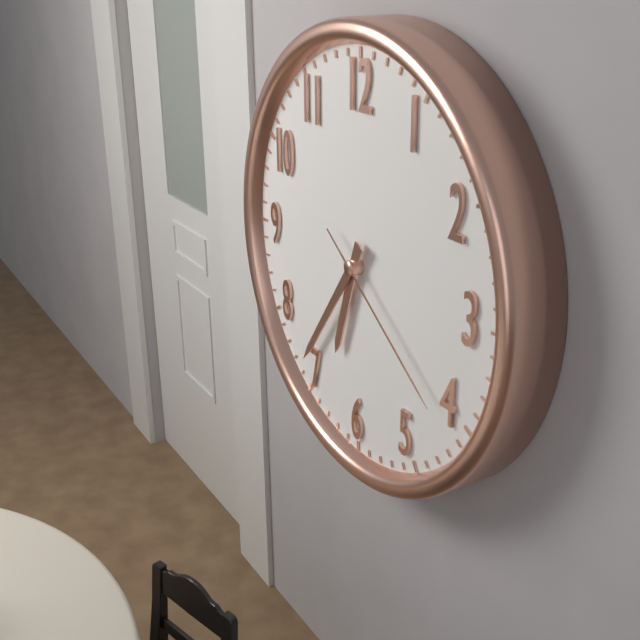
**6:36:21**
